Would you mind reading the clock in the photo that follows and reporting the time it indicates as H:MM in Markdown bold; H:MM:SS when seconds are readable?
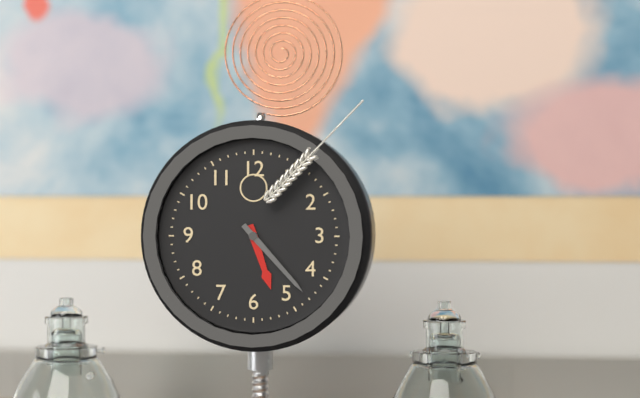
**5:23**
